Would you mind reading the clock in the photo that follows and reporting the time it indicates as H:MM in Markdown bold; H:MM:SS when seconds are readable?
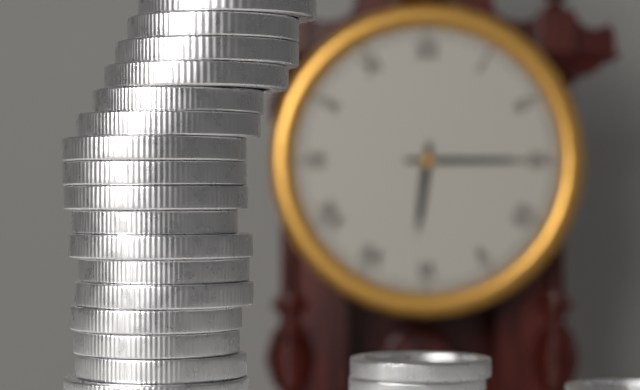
**6:15**
